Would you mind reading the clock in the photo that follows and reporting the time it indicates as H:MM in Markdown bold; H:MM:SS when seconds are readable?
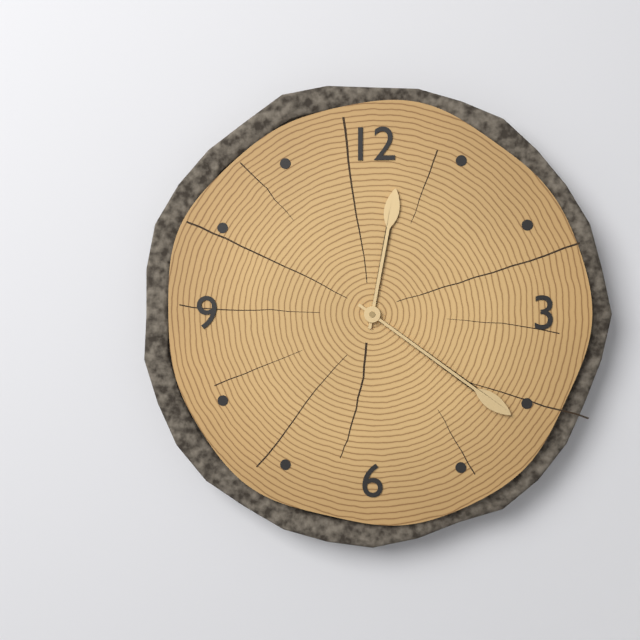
**12:21**
